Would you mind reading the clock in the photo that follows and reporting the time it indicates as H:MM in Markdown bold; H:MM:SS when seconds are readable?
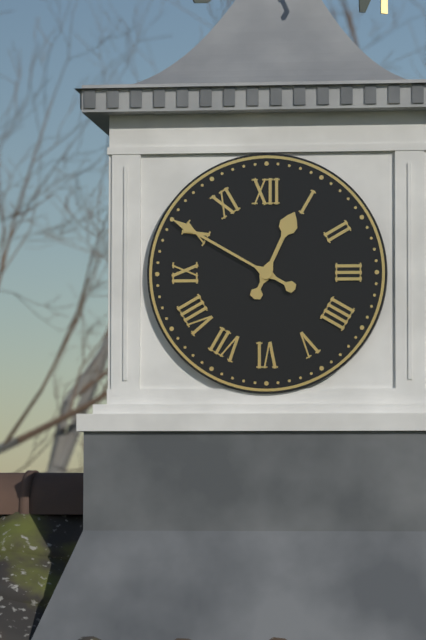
**12:50**
